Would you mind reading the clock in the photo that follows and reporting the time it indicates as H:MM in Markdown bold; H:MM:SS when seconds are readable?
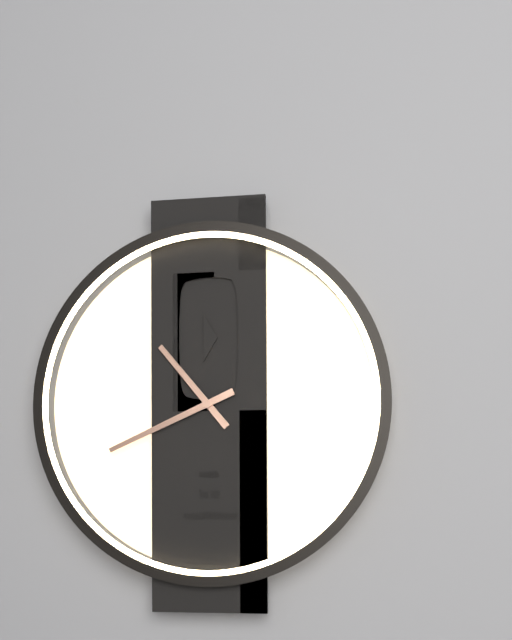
**10:41**
